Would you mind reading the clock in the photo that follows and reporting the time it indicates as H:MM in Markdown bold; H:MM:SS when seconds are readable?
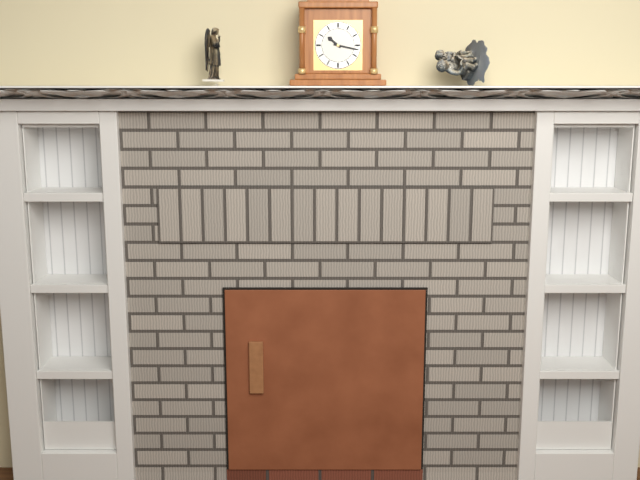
**10:17**
